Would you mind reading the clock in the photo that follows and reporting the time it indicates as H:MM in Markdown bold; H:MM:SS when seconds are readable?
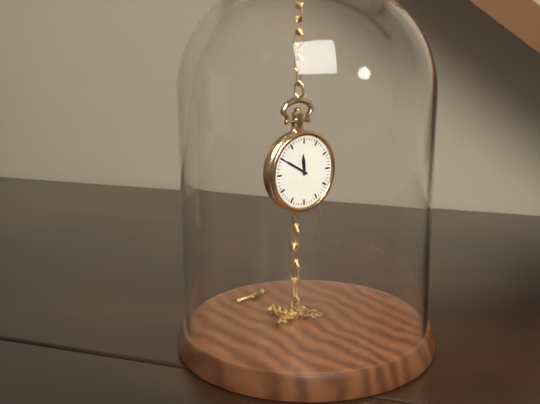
**11:50**
